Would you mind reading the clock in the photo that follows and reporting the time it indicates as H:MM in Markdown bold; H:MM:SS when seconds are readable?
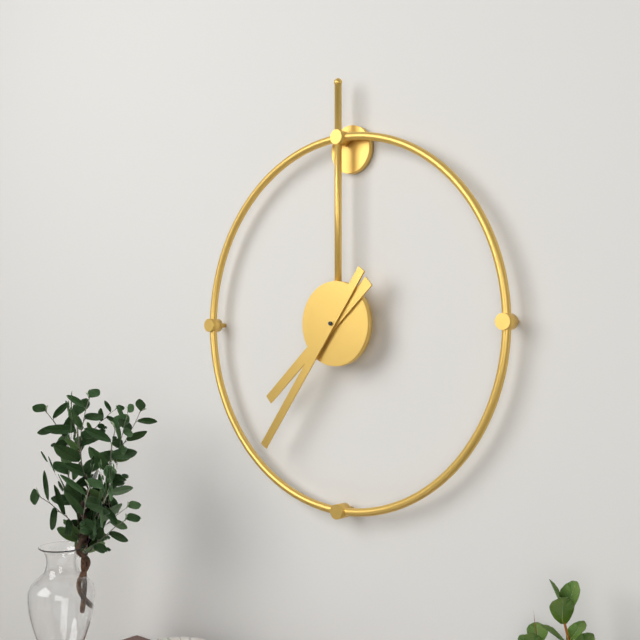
**7:36**
